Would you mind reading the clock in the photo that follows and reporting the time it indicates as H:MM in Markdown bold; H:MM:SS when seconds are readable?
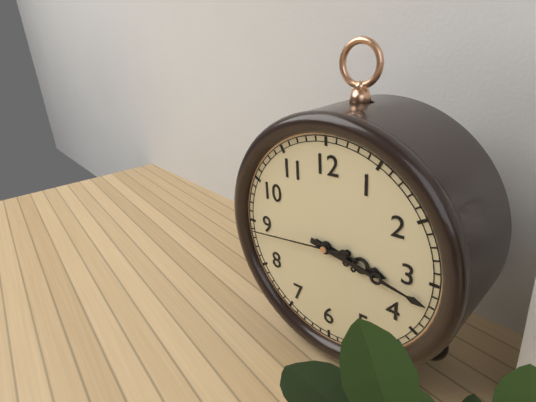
**3:17:44**
